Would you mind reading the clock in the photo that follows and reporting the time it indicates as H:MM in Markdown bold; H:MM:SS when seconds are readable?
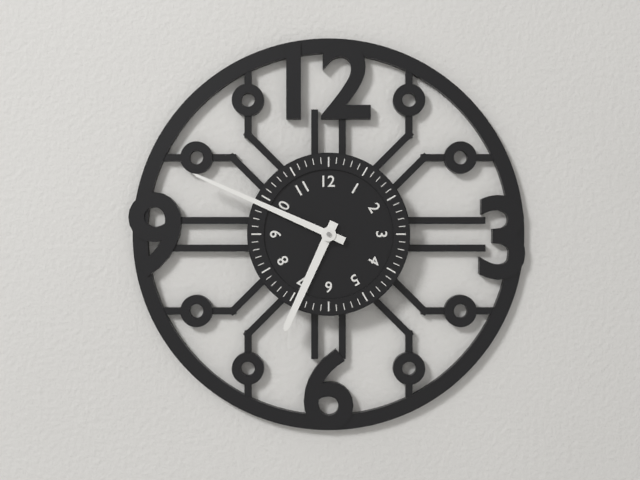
**6:49**
